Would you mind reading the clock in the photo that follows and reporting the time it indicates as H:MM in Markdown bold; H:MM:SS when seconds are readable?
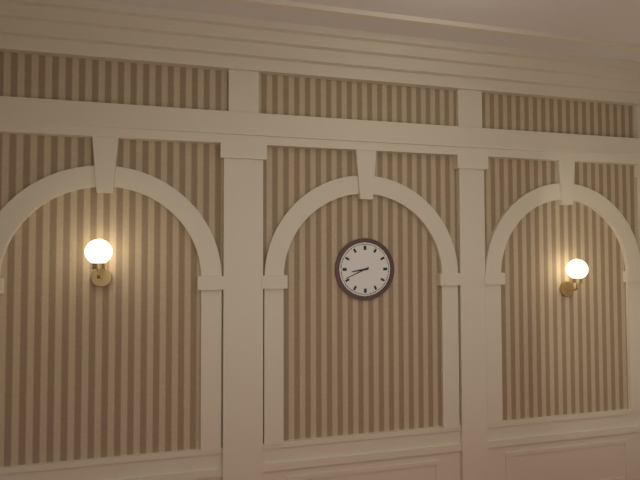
**8:41**
